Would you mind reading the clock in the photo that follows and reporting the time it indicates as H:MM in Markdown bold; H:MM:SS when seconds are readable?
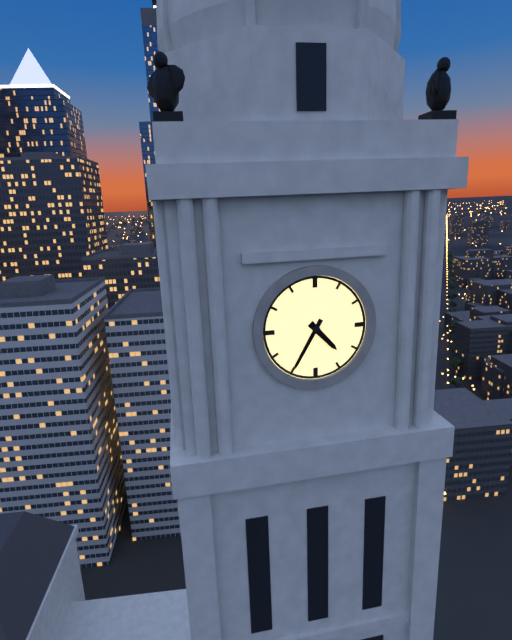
**4:35**
